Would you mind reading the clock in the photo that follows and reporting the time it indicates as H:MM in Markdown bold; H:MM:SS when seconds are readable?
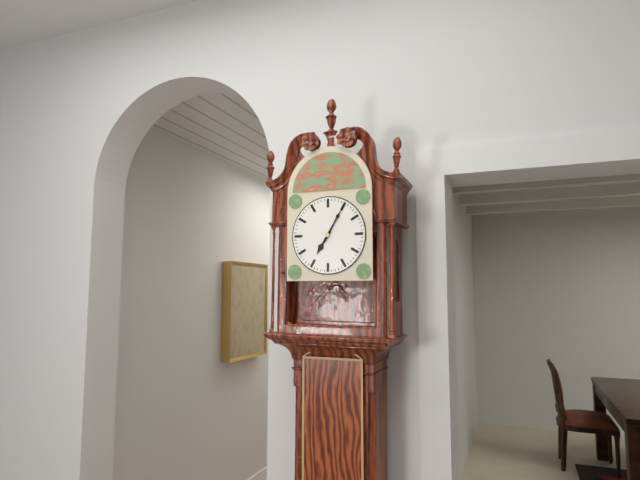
**7:05**
